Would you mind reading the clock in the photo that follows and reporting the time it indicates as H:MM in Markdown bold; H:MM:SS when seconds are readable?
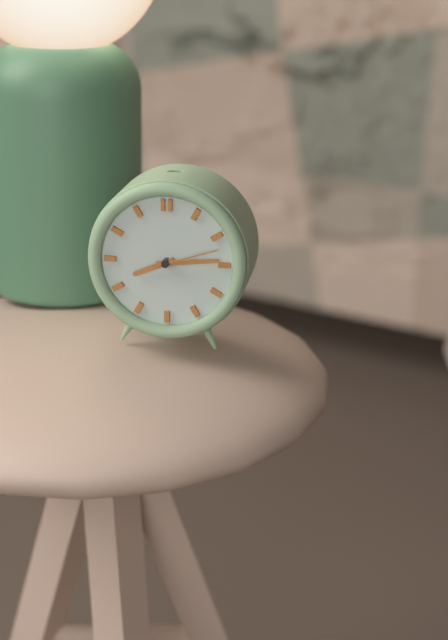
**8:14:12**
